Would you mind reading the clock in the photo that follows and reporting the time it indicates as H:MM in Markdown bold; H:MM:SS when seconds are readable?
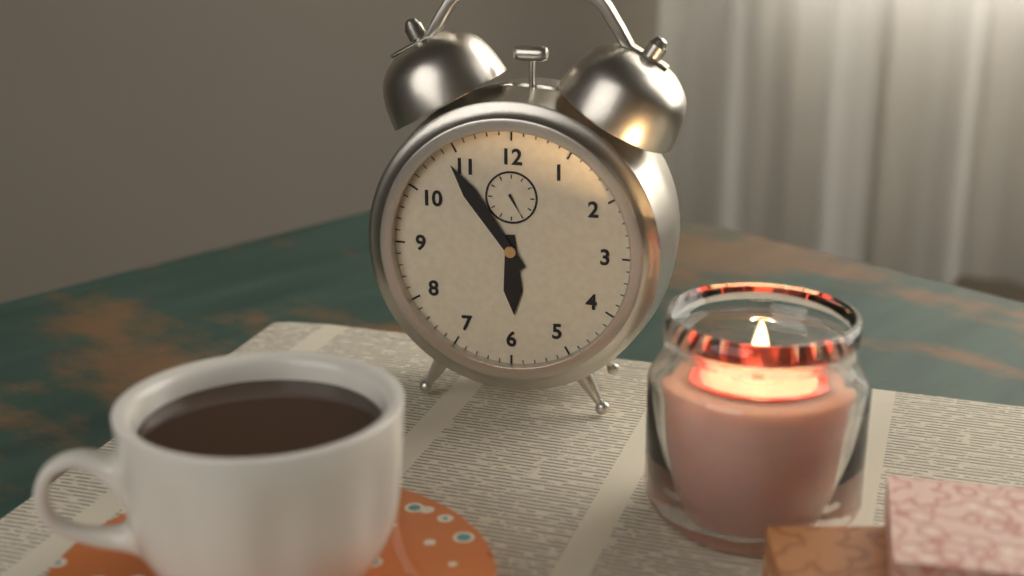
**5:54**
